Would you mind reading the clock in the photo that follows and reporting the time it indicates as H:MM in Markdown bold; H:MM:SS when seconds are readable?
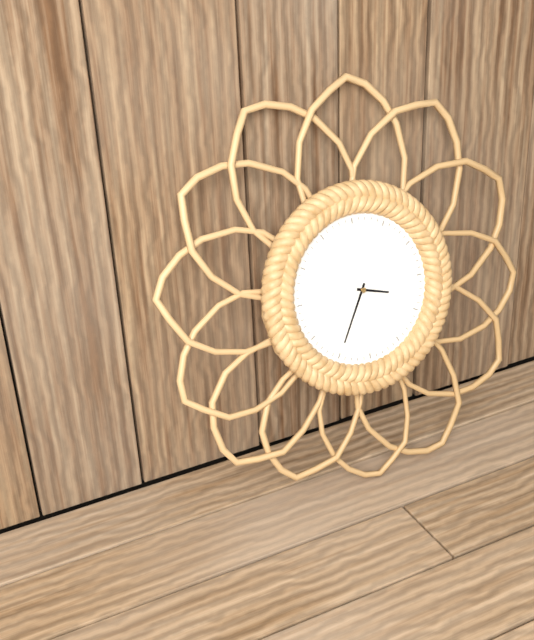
**3:35**
